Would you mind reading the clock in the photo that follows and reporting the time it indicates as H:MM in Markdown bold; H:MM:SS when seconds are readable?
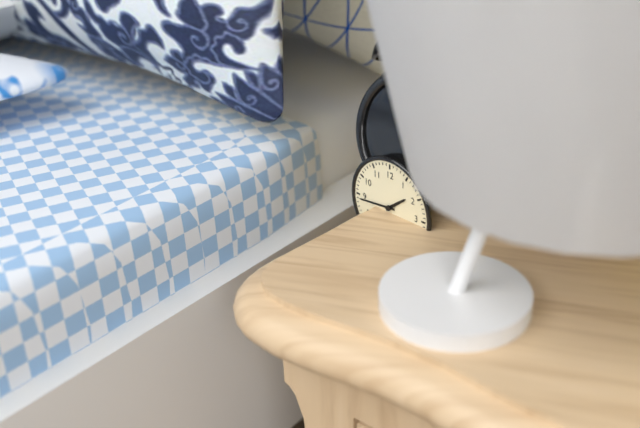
**1:44**
